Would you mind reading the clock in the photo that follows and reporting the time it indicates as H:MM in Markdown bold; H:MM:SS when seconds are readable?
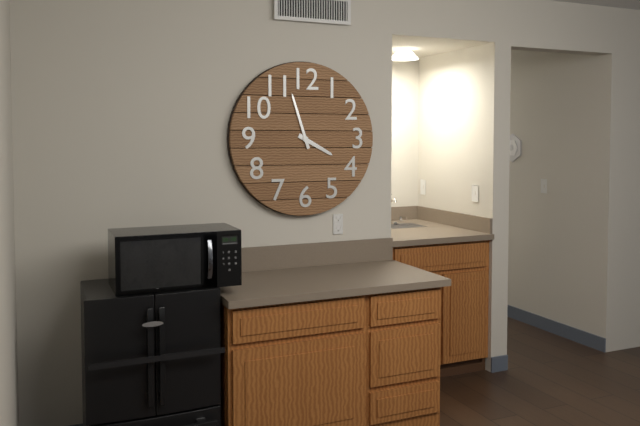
**3:57**
